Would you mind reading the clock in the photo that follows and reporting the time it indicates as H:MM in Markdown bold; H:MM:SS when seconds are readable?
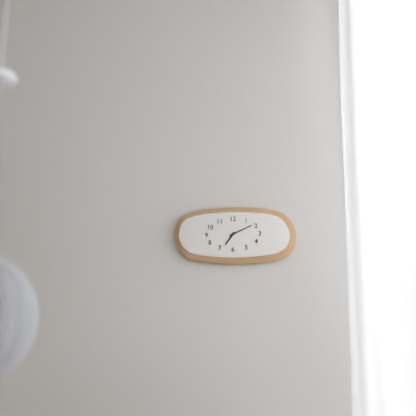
**7:11**
